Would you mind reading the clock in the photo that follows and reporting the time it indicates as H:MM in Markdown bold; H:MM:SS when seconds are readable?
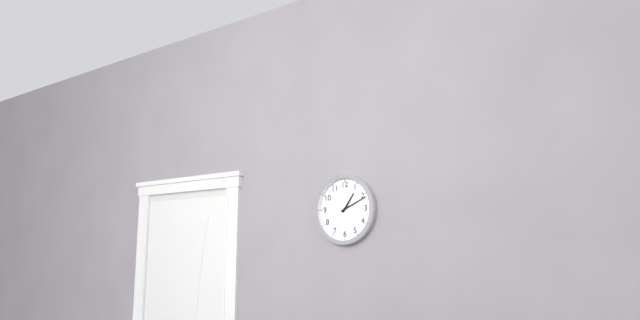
**1:11**
